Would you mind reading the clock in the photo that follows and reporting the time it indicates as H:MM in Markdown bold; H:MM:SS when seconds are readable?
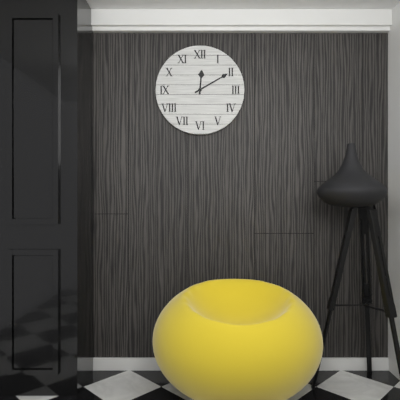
**12:10**
